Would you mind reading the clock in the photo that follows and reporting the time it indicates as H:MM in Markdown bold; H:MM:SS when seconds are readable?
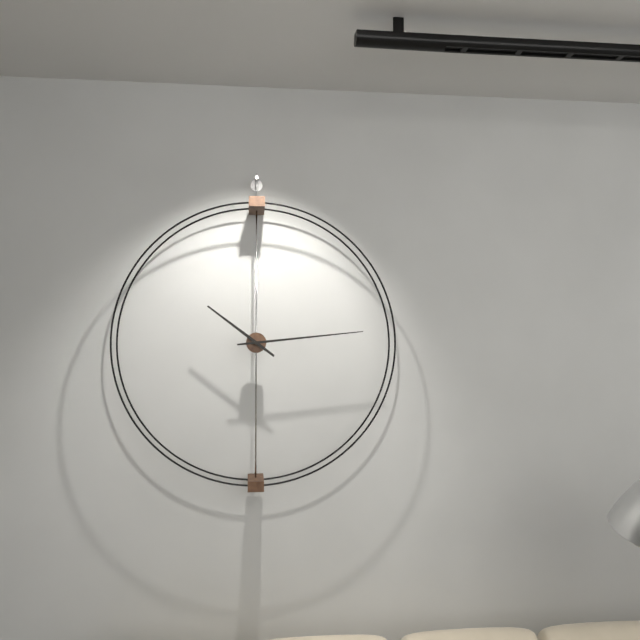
**10:14**
